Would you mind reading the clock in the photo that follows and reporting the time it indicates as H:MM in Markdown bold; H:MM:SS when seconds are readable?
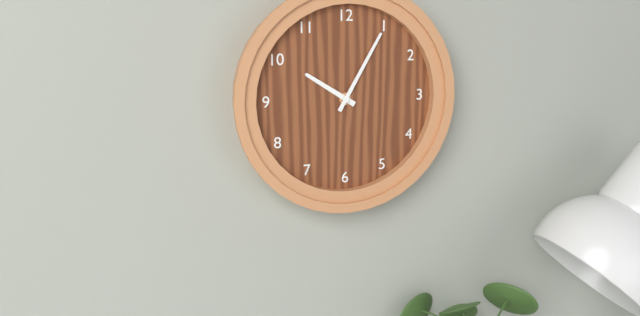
**10:05**
